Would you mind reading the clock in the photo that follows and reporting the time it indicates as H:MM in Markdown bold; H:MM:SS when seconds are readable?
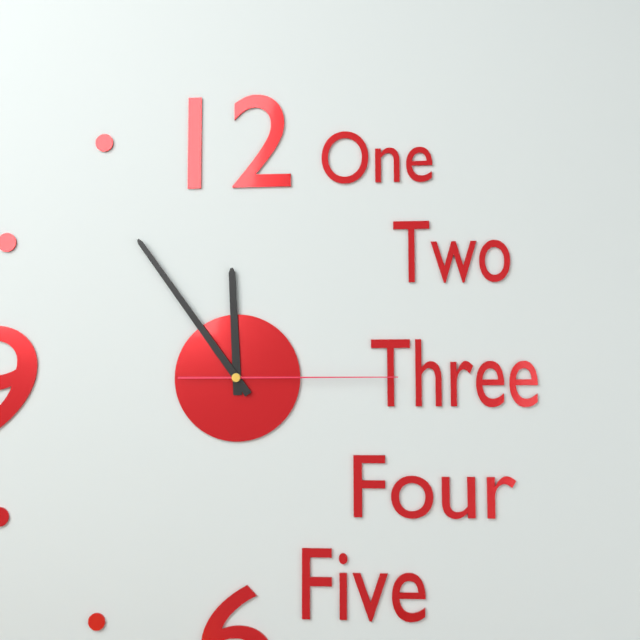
**11:54:15**
